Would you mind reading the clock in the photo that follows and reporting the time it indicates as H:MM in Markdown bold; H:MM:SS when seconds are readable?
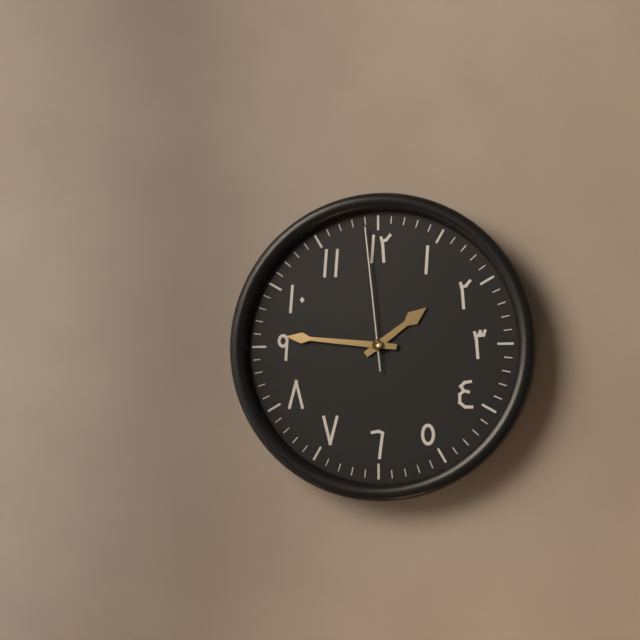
**1:46:59**
